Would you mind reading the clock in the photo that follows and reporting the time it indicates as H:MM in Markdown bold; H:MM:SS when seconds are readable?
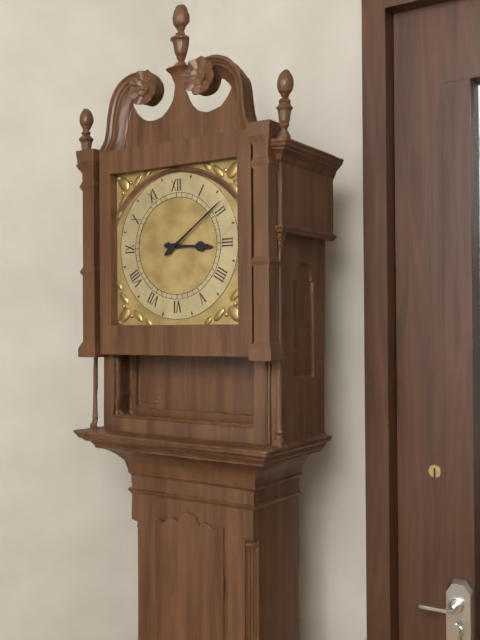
**3:09**
